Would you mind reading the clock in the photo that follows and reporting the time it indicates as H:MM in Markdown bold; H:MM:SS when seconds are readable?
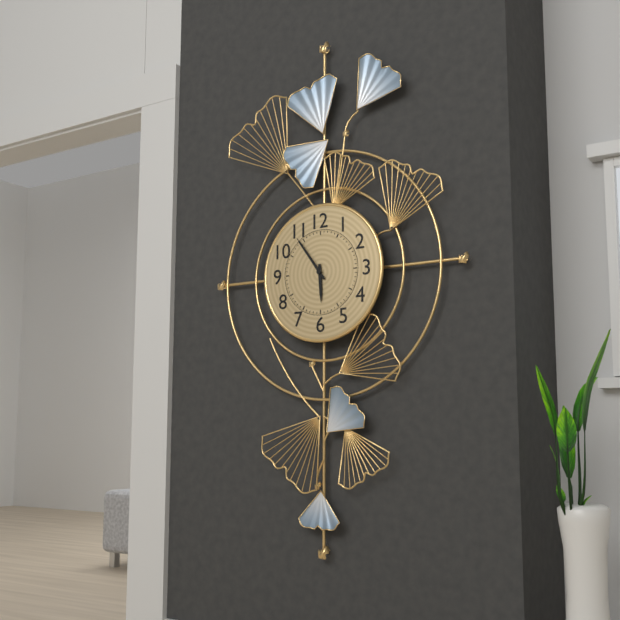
**5:54**
